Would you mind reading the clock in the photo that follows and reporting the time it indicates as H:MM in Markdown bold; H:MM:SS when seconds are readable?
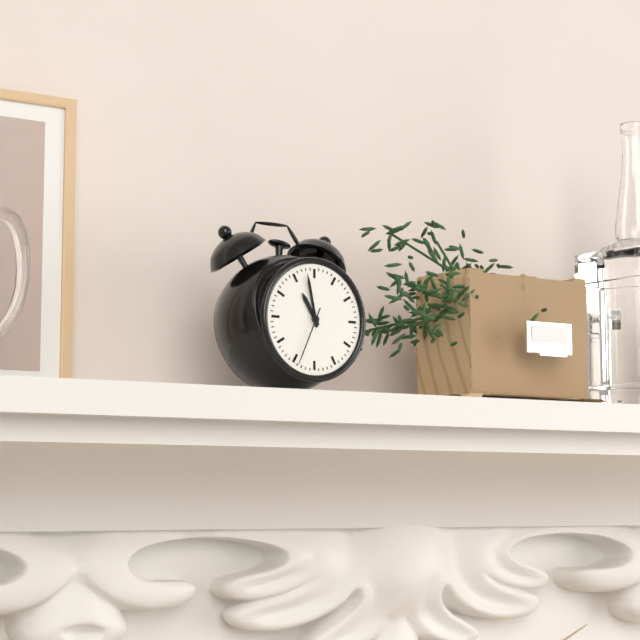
**10:58:34**
